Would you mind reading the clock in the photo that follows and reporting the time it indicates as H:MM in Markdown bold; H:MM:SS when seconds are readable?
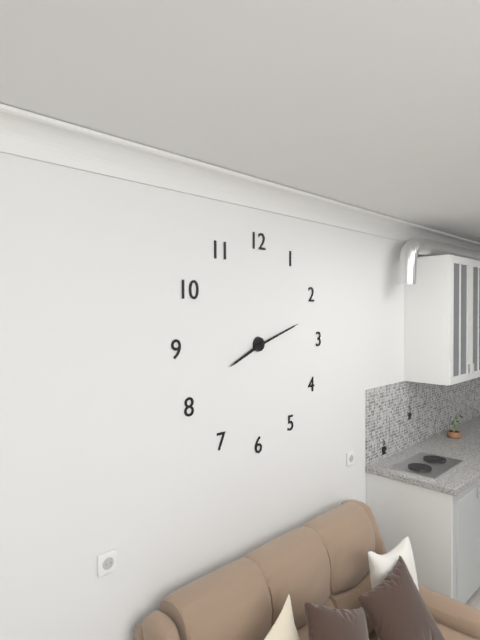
**8:12**
